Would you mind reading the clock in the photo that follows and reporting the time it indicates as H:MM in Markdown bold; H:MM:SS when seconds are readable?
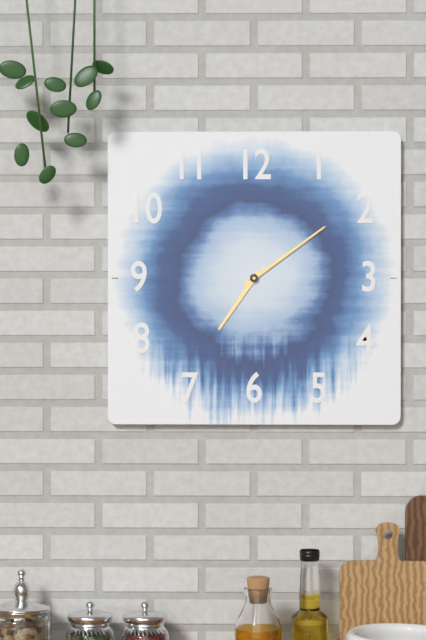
**7:09**
